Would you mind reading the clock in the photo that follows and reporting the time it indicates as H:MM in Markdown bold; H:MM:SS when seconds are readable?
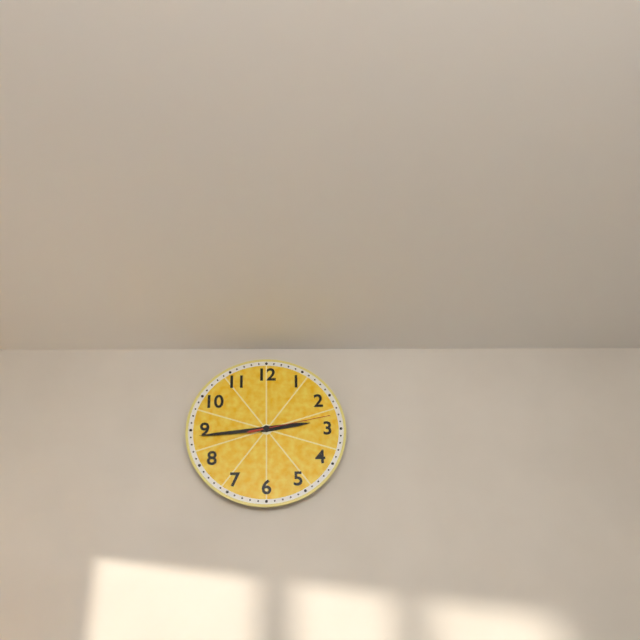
**2:44:13**
